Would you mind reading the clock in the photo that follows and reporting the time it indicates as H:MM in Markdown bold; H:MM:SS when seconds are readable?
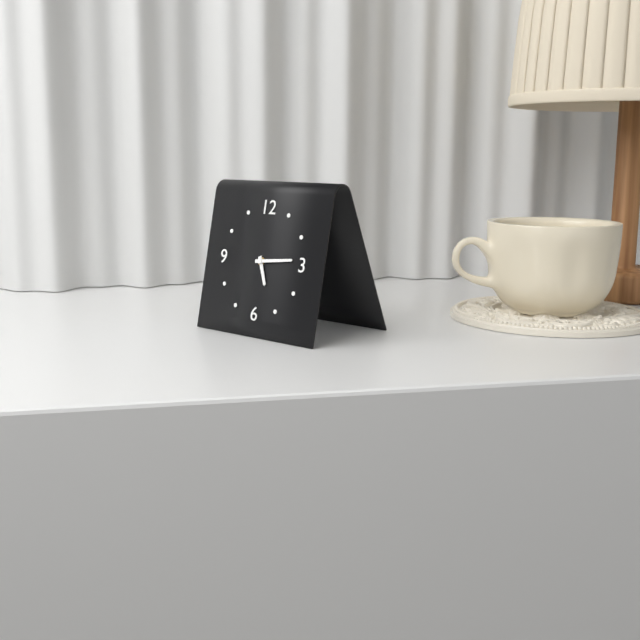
**5:14**
